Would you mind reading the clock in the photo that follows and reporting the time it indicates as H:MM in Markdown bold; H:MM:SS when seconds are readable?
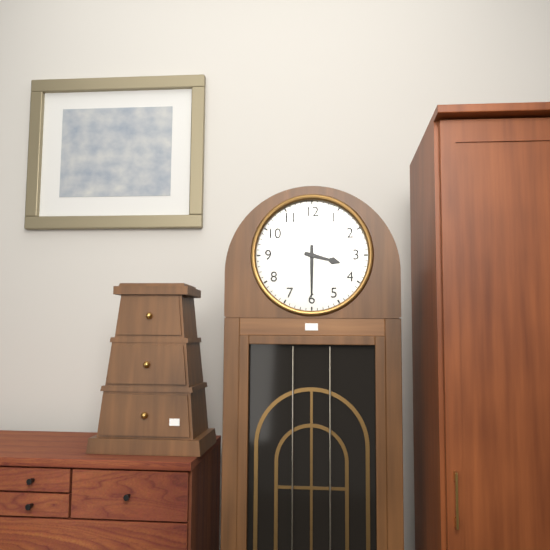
**3:30**
